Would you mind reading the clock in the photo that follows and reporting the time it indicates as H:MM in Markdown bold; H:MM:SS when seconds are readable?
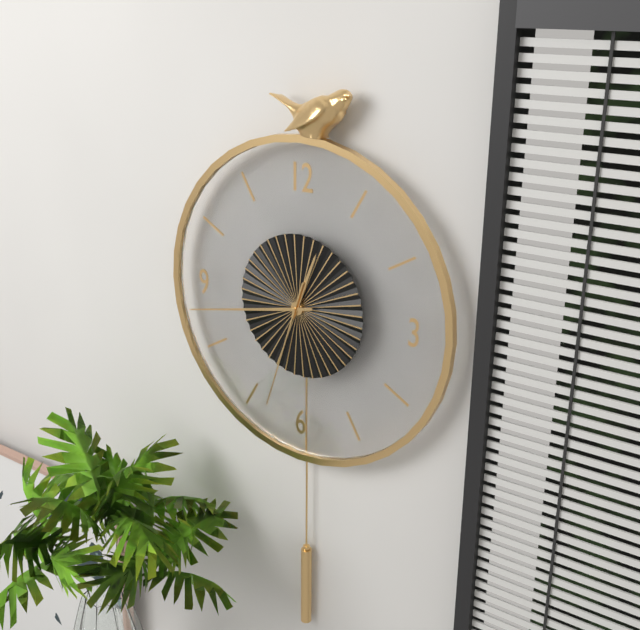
**12:43:33**
